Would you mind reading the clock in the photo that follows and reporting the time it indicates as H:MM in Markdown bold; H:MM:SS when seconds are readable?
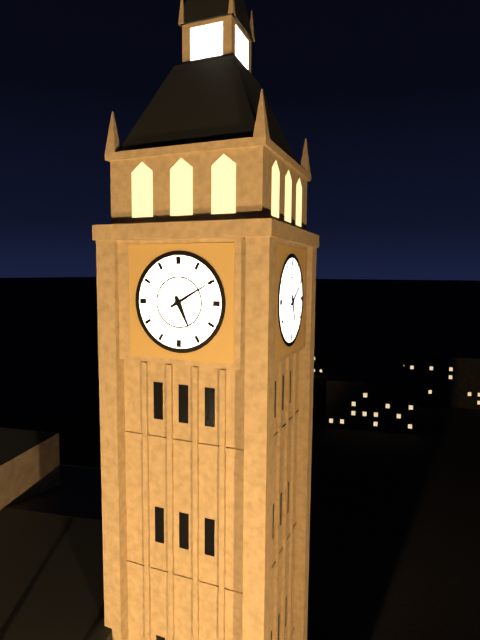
**5:10**
